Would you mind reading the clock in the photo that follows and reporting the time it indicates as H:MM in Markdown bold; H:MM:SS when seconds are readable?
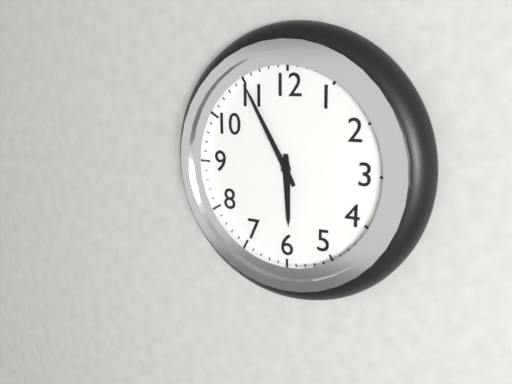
**5:55**
